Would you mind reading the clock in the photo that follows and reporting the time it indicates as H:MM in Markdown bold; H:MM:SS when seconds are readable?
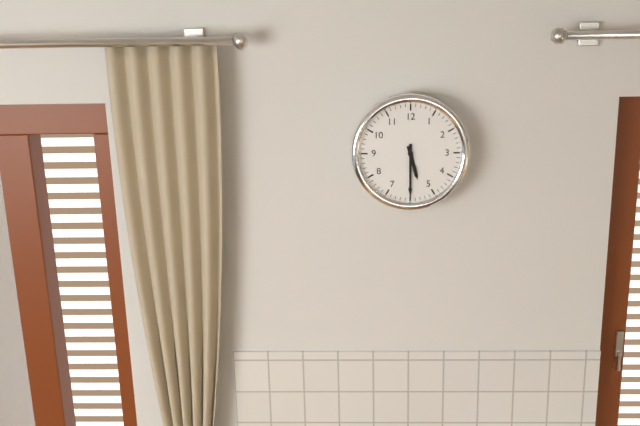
**5:30**
